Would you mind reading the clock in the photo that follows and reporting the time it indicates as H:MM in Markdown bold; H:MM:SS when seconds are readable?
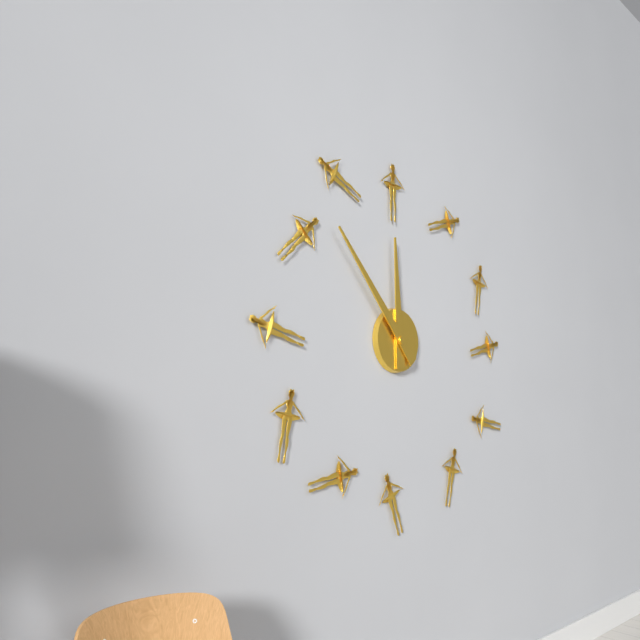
**11:53**
